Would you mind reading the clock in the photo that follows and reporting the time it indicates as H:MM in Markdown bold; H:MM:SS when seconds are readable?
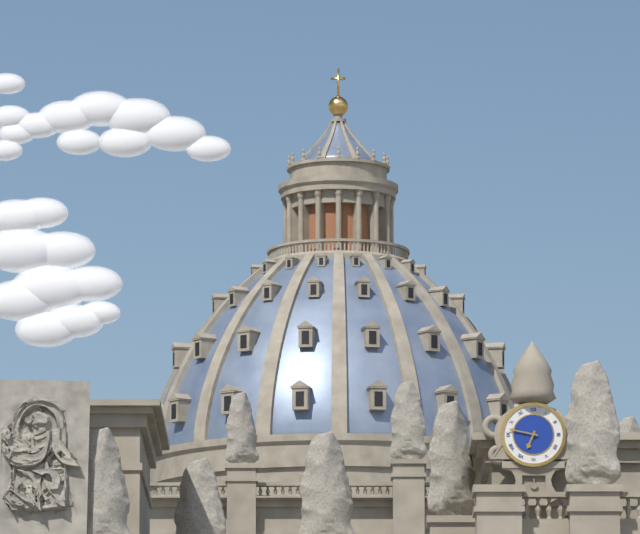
**6:47**
